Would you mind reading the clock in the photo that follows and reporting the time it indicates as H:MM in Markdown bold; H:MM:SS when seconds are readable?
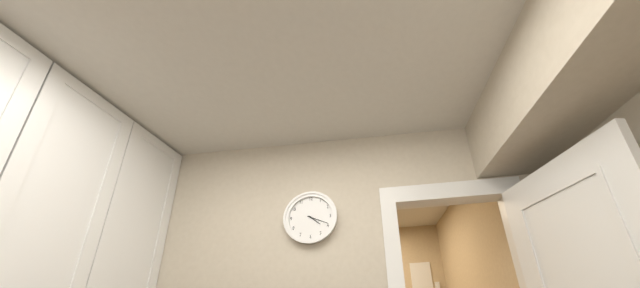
**4:19**
